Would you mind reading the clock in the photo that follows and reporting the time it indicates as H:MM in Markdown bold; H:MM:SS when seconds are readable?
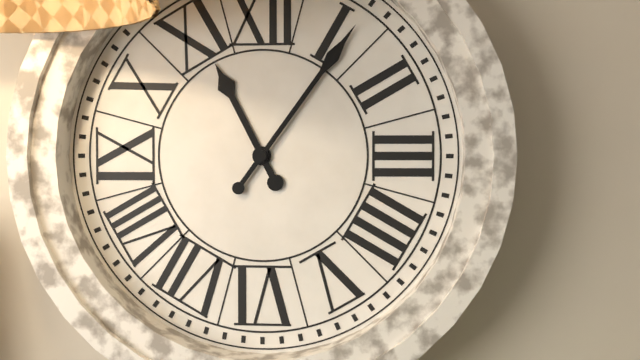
**11:06**
